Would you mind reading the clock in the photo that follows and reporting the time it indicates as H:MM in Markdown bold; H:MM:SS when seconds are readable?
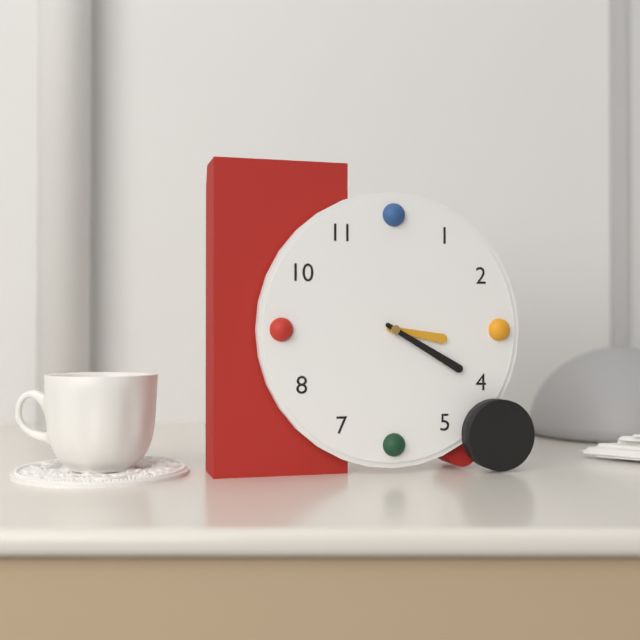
**3:20**
